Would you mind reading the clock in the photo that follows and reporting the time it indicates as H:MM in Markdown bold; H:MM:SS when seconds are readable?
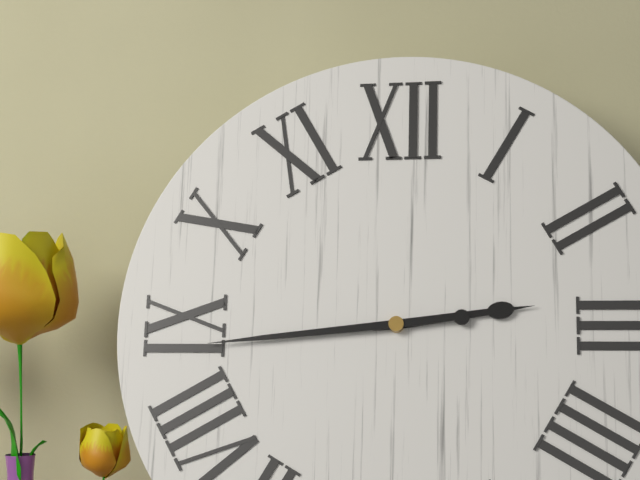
**2:44**
